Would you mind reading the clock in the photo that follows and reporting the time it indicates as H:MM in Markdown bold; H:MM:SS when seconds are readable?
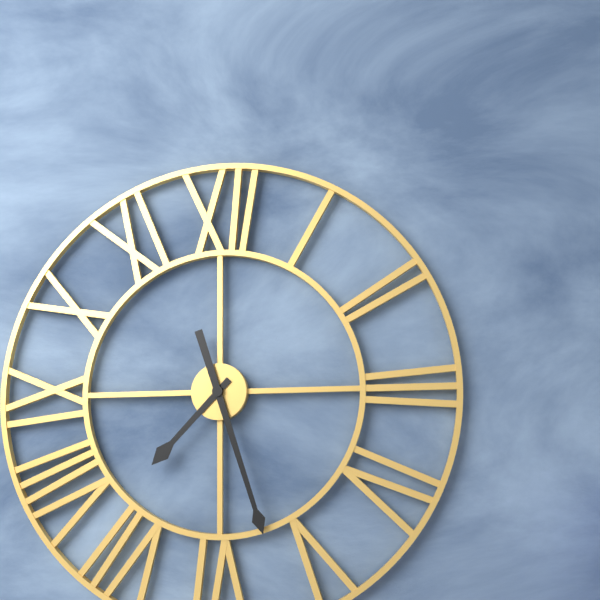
**7:27**
